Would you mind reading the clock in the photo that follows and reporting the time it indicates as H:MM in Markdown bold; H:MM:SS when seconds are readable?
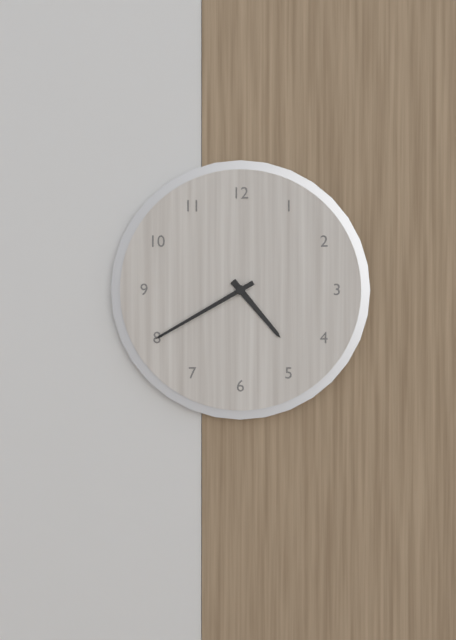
**4:40**
